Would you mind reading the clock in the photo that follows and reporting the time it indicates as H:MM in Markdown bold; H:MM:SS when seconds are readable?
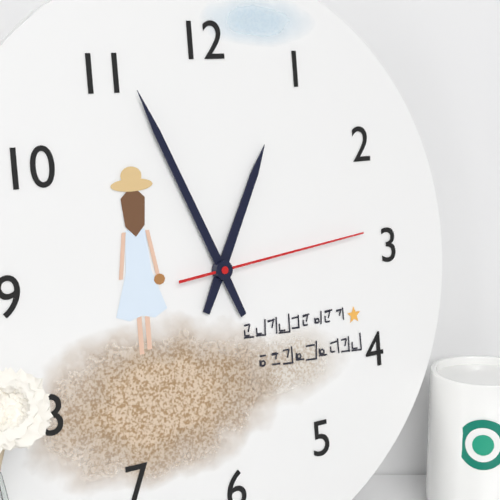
**12:56:14**
